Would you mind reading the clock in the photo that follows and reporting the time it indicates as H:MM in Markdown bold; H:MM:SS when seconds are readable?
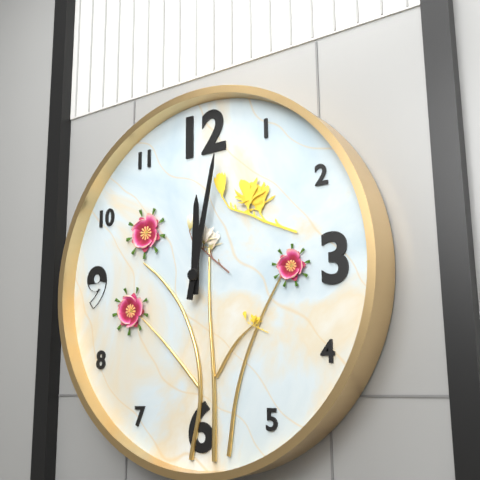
**12:02**
